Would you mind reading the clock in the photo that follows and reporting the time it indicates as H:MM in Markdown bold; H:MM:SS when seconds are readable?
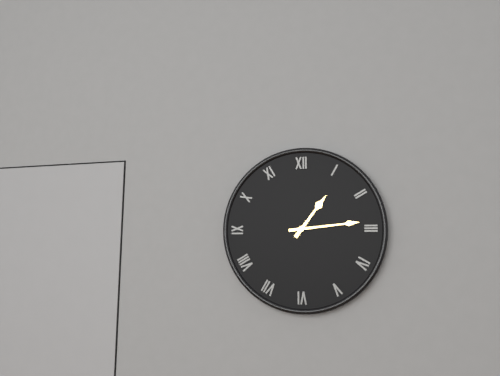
**1:14**
